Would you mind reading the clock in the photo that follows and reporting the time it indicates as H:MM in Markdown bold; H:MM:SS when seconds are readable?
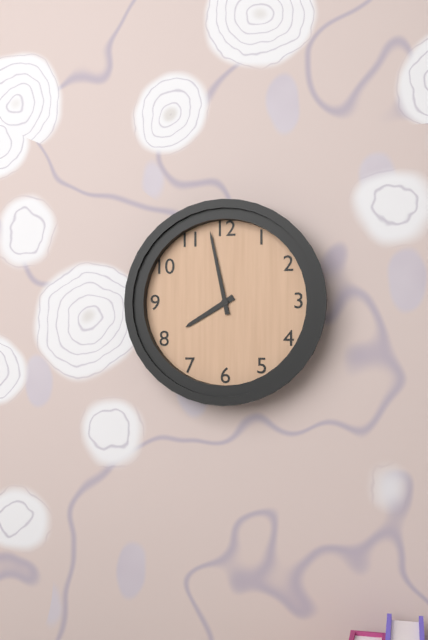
**7:58**
